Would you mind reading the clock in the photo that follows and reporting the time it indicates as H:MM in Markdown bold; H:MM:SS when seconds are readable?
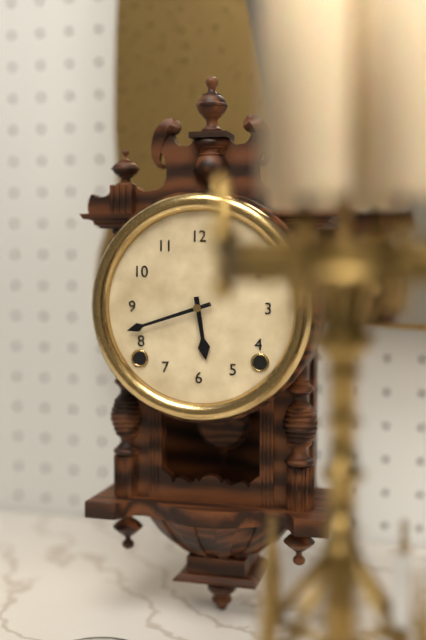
**5:42**
